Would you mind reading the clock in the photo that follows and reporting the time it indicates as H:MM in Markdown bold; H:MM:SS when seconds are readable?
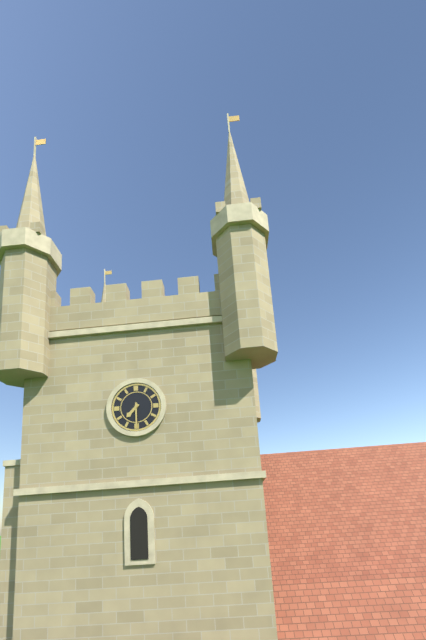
**7:30**
